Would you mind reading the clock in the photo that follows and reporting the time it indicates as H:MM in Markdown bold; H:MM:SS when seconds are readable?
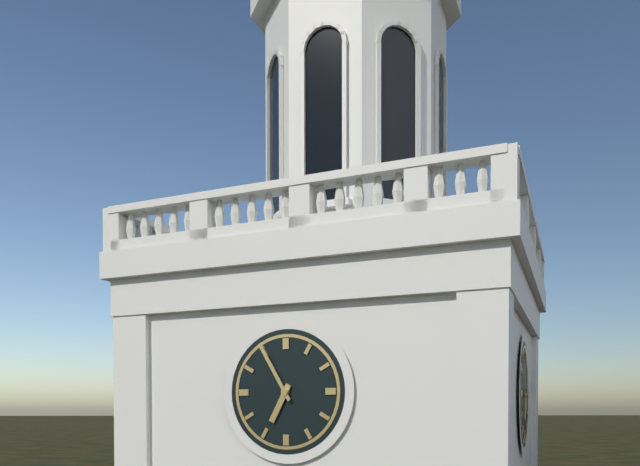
**6:55**
